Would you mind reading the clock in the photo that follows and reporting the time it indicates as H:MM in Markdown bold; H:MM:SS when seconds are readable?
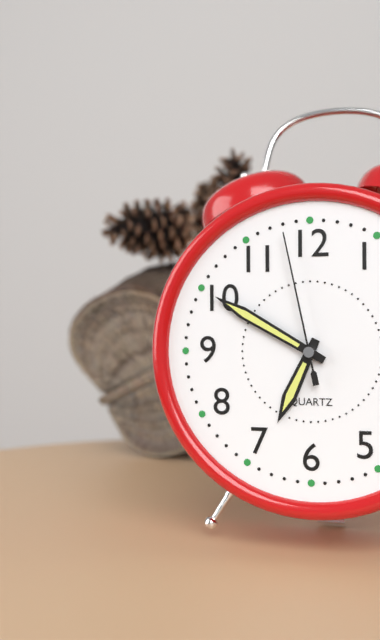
**6:50:58**
